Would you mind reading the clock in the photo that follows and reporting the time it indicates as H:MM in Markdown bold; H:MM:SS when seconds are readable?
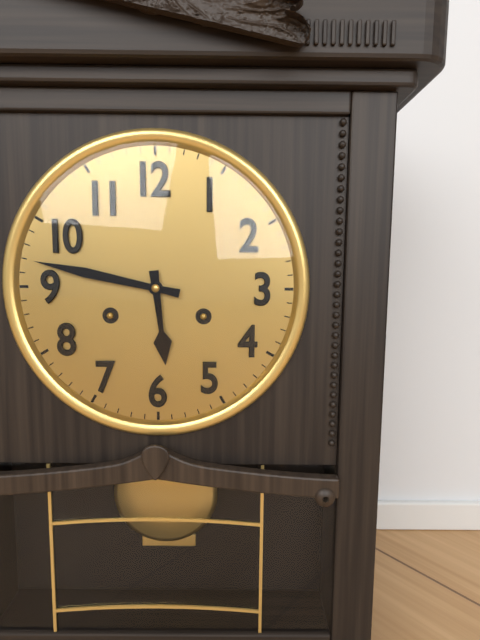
**5:47**
